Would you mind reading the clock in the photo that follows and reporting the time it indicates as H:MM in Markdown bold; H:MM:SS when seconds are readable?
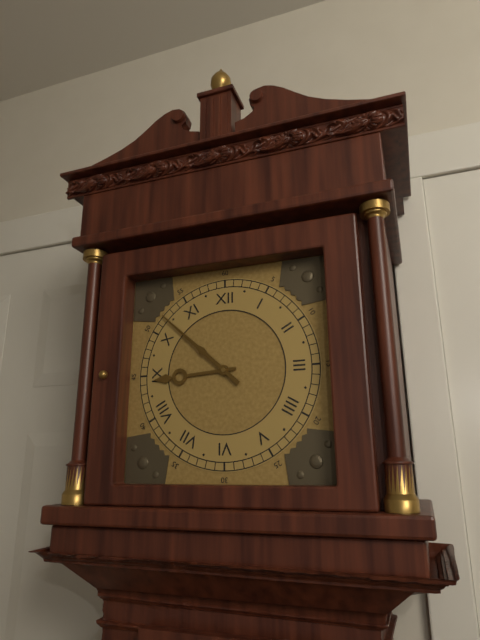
**8:52**
